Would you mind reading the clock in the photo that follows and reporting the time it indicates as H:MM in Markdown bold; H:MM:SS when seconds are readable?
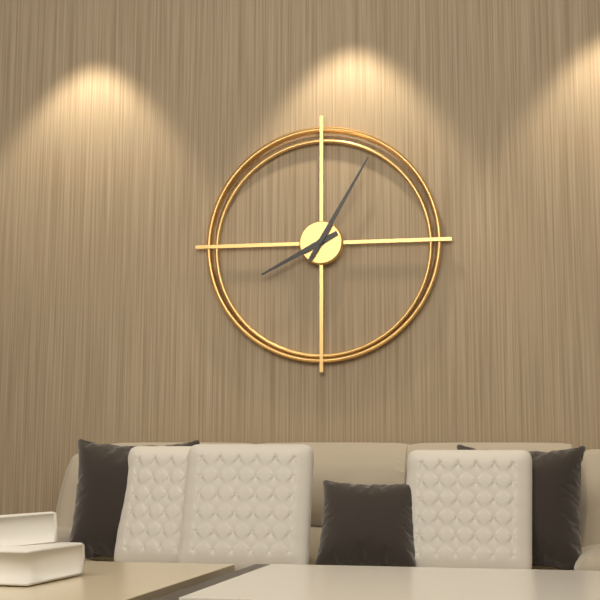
**8:05**
